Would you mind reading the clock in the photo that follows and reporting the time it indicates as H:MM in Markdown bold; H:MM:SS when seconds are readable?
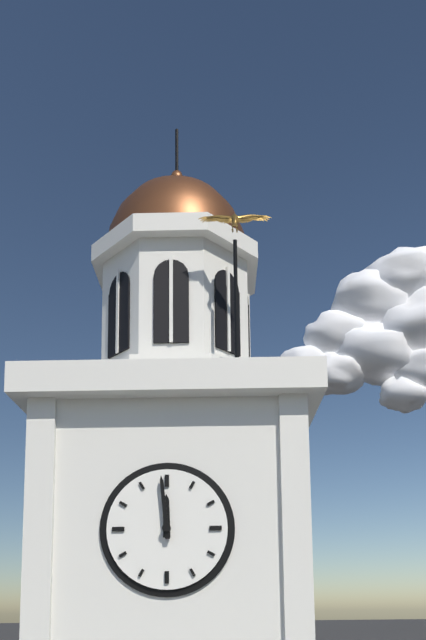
**11:59**
